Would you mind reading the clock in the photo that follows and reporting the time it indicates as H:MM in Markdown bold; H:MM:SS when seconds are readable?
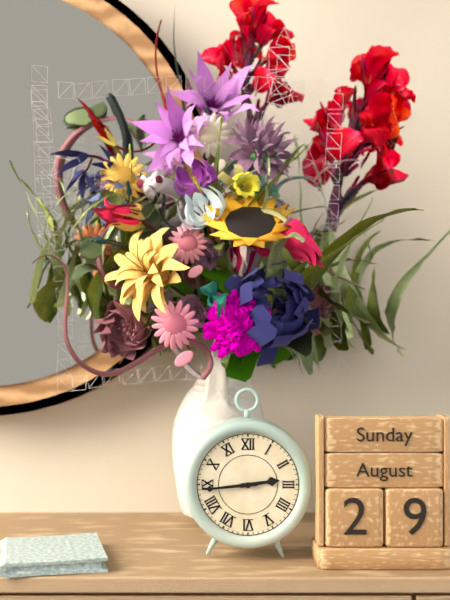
**2:44**
